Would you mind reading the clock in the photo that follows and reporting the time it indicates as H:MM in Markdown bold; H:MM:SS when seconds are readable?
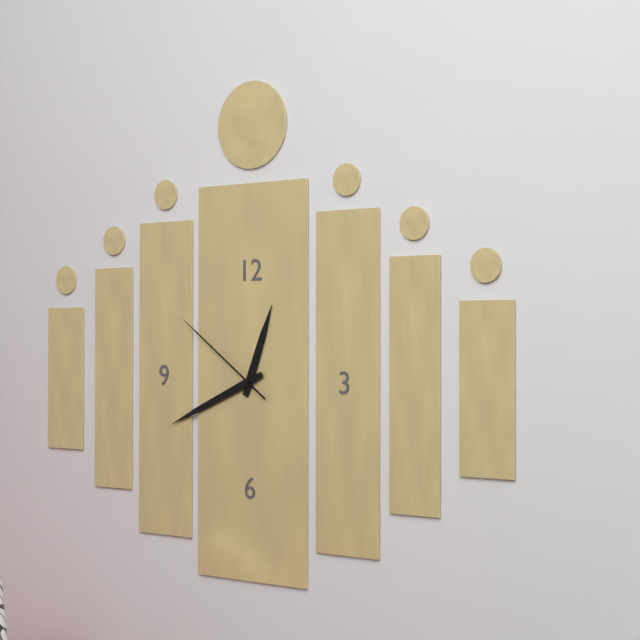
**12:41:51**
